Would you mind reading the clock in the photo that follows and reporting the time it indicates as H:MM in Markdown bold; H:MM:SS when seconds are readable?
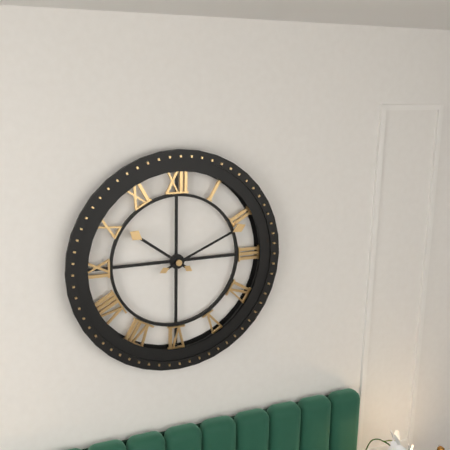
**10:11**
